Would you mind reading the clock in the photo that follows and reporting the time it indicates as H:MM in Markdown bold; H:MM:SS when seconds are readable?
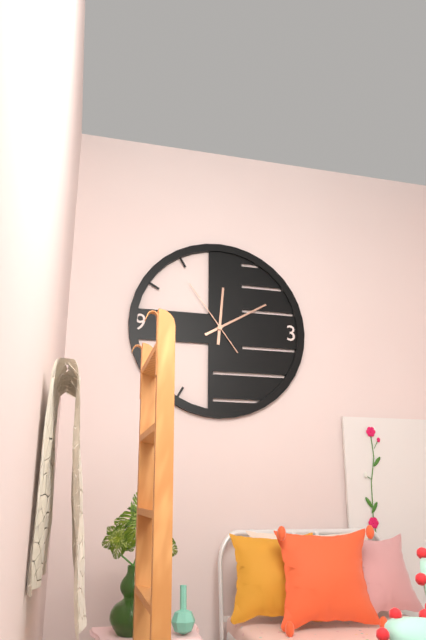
**12:10:54**
